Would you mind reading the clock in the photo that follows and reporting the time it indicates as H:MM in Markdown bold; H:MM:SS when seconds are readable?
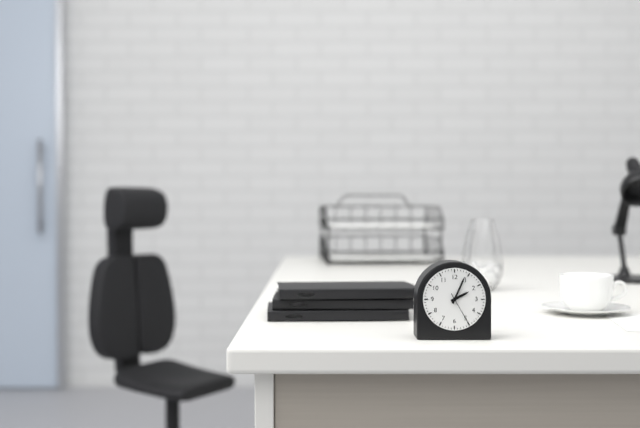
**2:04**
